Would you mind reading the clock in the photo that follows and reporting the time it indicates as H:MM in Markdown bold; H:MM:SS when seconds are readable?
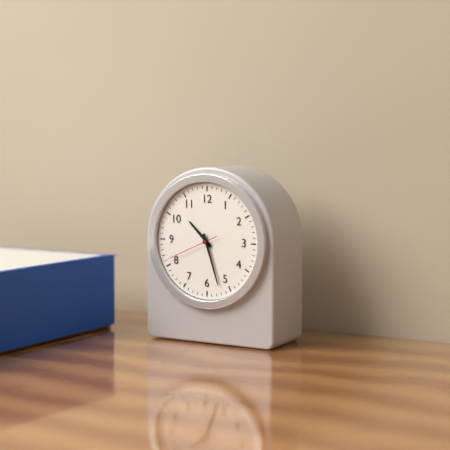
**10:27:41**
